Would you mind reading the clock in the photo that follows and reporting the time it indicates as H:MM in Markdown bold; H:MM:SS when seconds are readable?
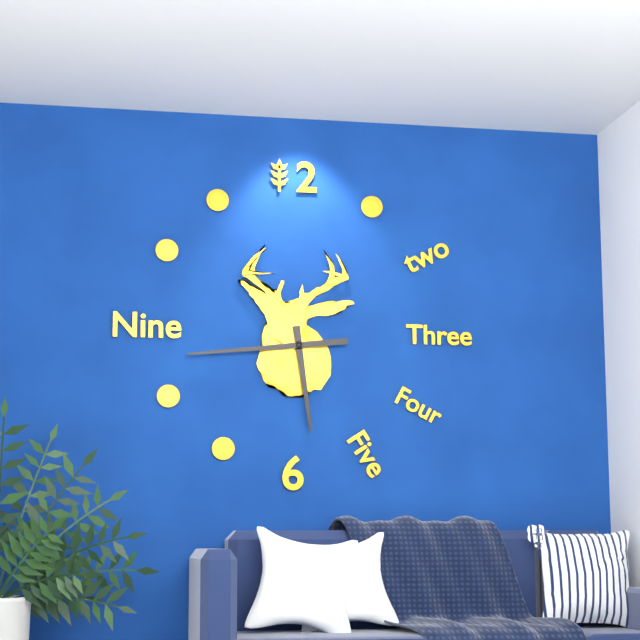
**5:44**
